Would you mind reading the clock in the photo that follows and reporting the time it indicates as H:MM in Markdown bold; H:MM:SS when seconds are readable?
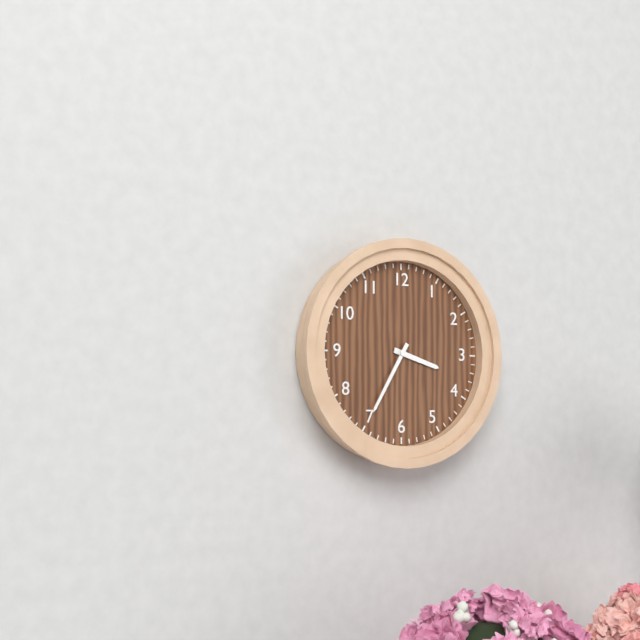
**3:35**
